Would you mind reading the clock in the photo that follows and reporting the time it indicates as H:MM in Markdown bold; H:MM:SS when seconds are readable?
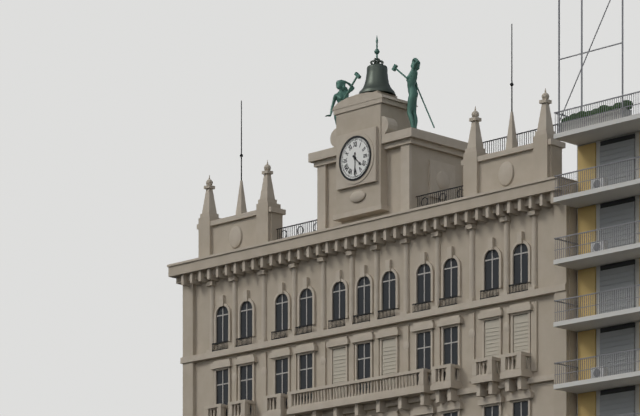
**4:30**
